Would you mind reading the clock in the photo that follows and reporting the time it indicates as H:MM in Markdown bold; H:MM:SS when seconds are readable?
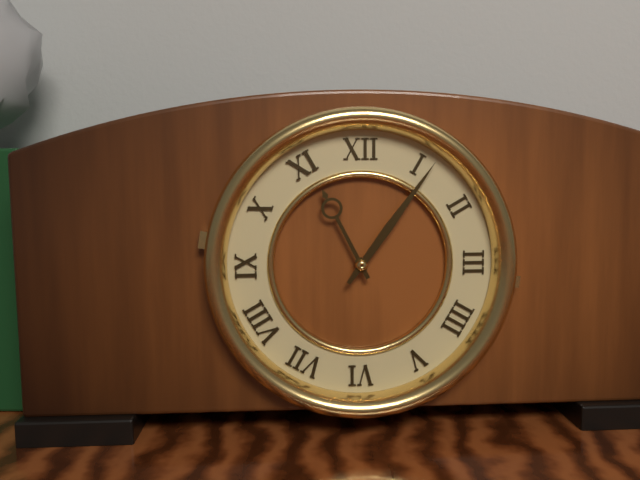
**11:06**
